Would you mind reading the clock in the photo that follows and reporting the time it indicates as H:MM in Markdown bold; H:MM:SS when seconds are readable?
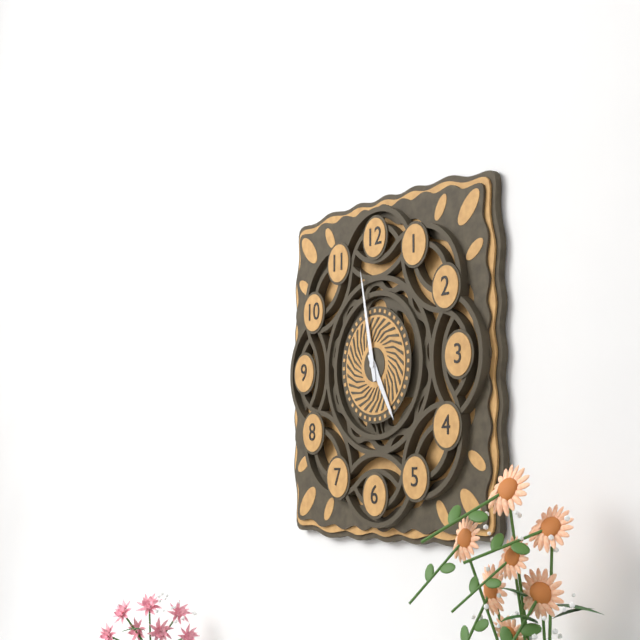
**4:58**
